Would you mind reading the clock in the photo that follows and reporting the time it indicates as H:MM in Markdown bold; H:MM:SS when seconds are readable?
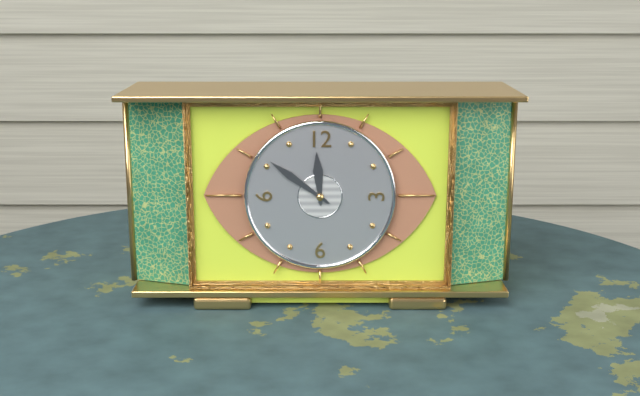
**11:51**
